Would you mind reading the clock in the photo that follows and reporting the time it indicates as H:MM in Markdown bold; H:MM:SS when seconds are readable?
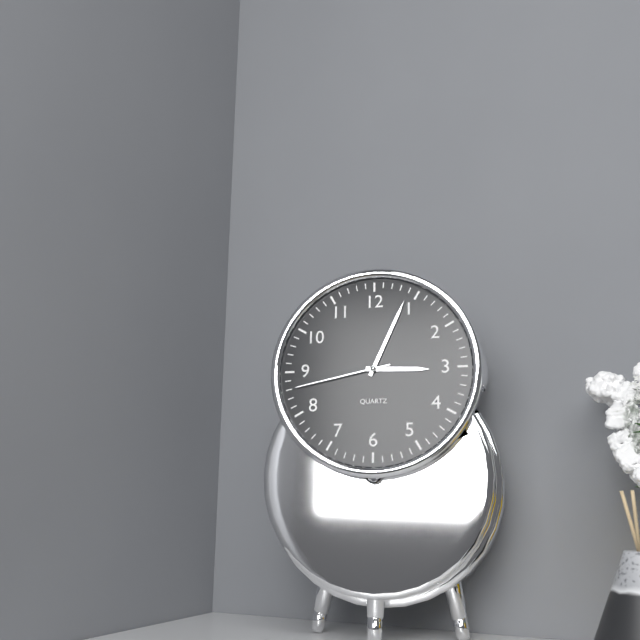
**3:04:43**
